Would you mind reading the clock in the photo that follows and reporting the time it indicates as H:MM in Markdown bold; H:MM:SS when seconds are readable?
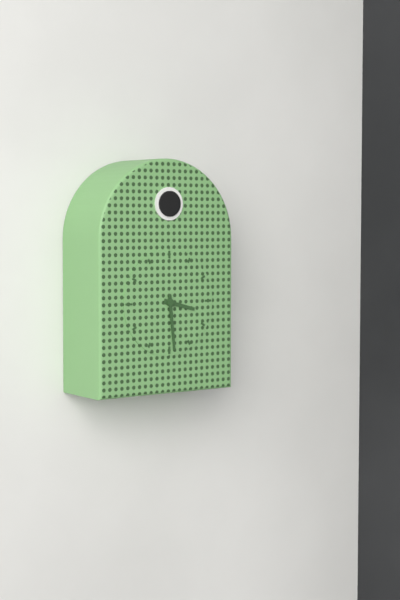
**3:29**
